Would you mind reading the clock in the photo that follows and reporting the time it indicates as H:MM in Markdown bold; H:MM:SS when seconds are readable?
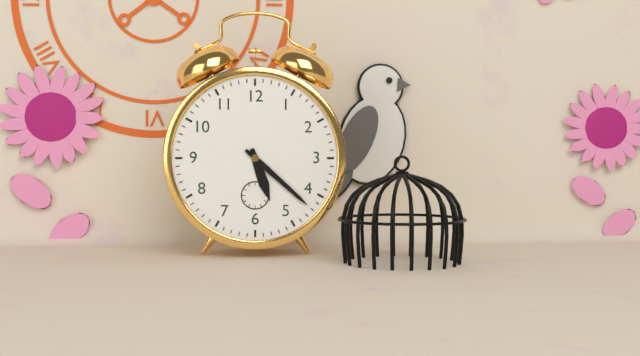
**5:22**
